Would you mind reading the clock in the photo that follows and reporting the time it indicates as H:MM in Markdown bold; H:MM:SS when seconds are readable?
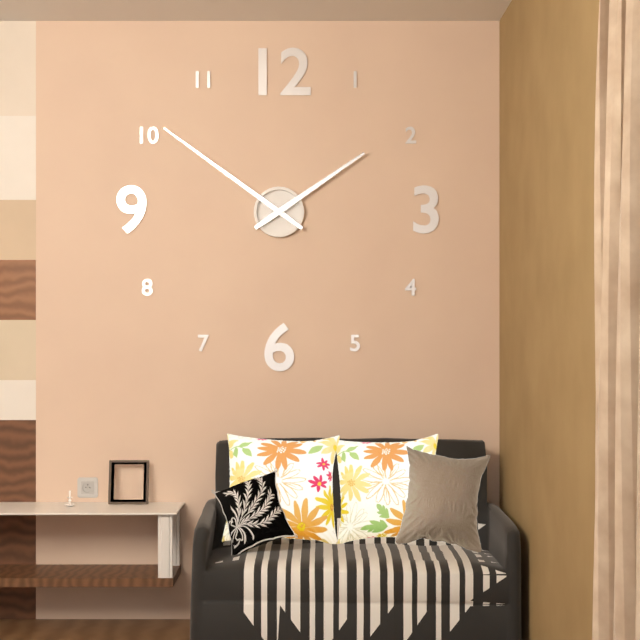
**1:51**
